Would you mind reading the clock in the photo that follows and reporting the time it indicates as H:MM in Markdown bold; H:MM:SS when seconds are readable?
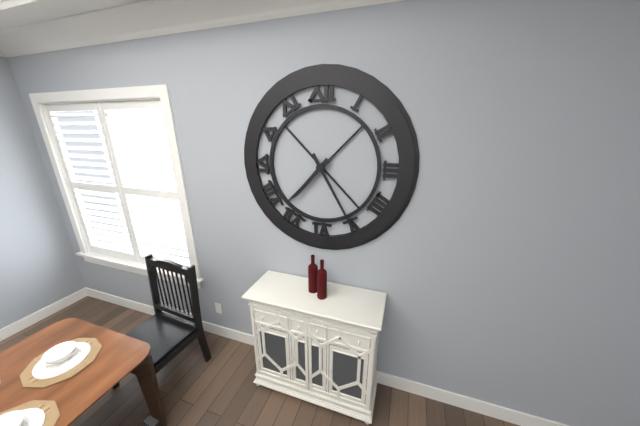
**7:25**
